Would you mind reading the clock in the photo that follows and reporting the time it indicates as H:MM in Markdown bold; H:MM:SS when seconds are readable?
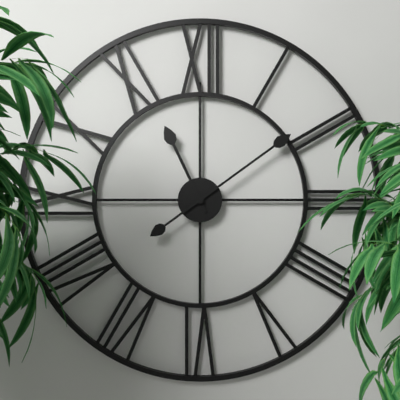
**11:09**
